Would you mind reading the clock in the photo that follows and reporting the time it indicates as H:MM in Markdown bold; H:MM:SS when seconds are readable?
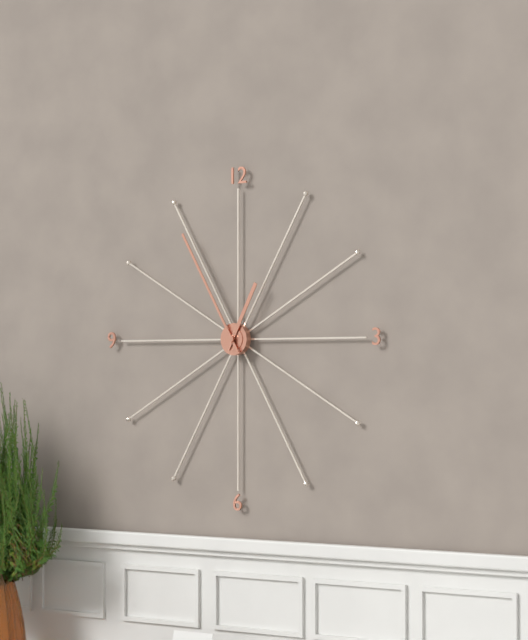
**12:55**
